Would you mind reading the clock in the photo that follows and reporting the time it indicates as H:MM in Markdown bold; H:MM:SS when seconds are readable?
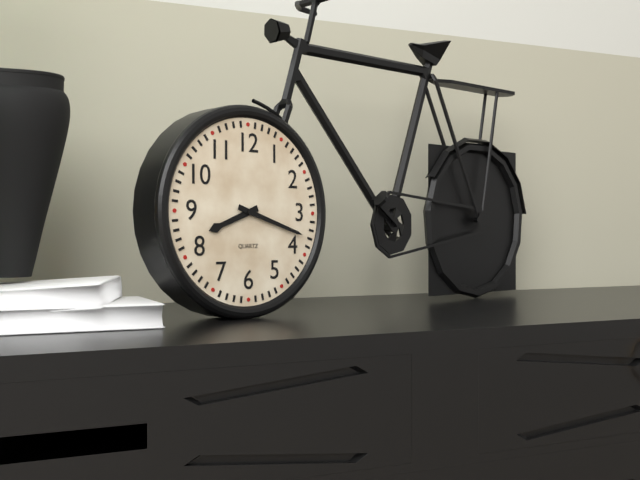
**8:18**
